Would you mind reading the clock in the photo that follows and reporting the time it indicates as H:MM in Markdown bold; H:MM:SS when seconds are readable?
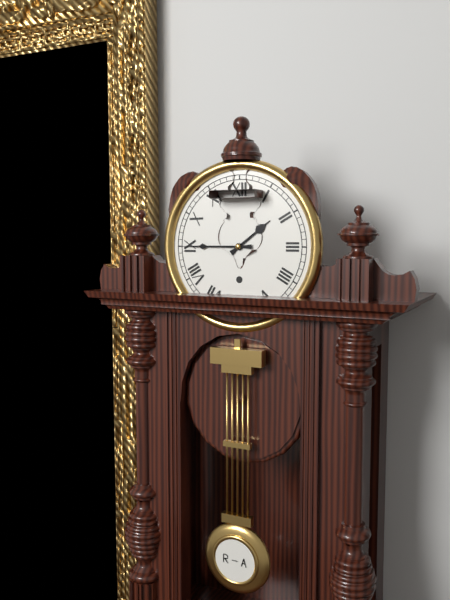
**1:45**
